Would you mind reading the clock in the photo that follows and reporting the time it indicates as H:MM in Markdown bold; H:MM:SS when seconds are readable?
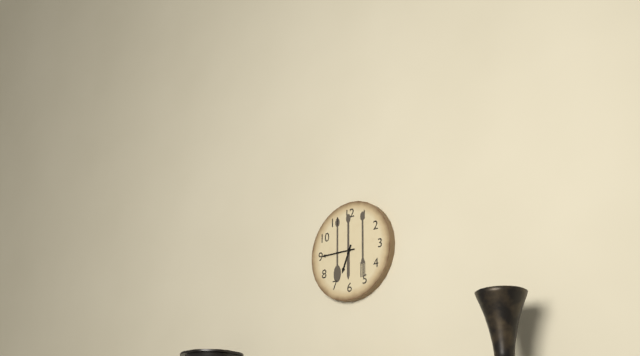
**6:45**
